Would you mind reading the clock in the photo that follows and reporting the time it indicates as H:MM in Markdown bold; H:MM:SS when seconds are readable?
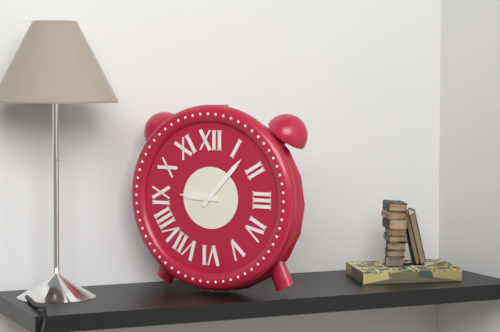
**9:07**
